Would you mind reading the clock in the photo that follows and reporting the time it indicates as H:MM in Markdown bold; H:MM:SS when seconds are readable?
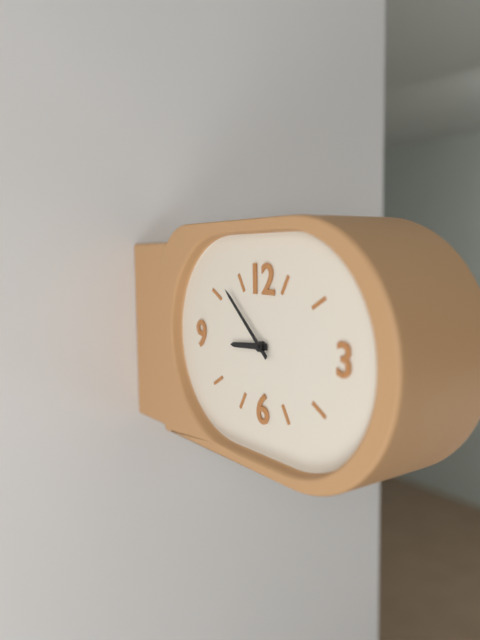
**8:52**
